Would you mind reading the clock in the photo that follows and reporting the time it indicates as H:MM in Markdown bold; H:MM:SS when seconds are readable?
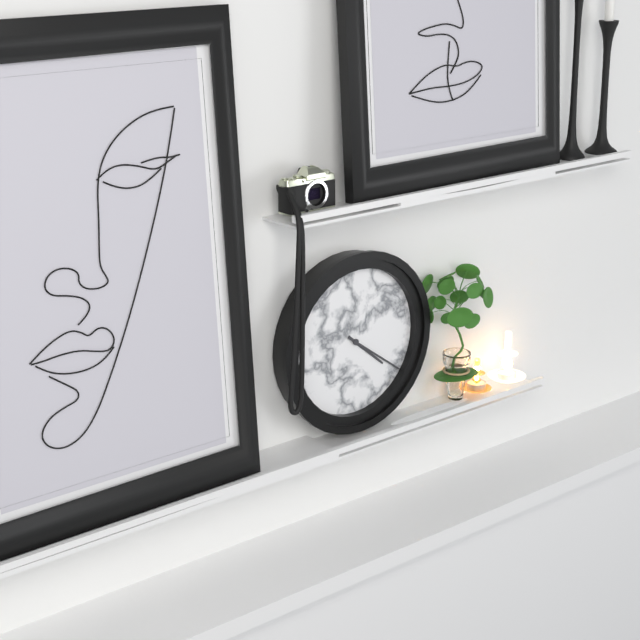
**4:21**
